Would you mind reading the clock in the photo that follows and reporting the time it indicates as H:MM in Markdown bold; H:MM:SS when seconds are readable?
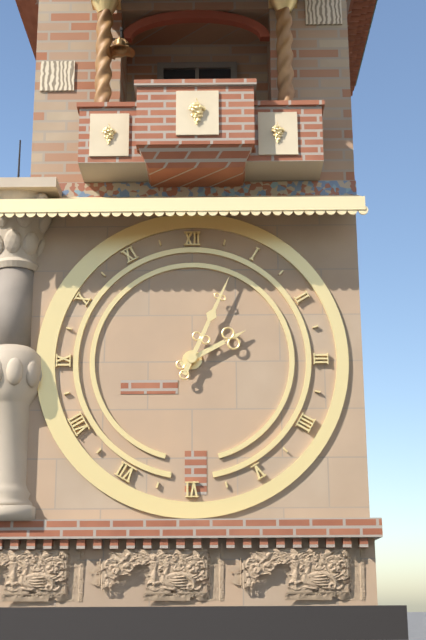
**2:04**
